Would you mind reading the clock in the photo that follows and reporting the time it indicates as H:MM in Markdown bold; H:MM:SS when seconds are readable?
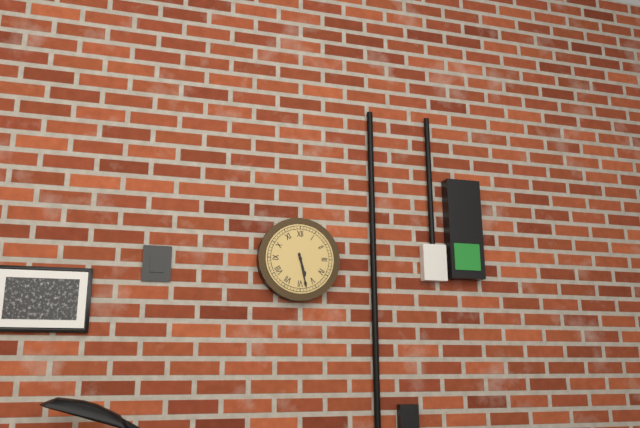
**5:28**
